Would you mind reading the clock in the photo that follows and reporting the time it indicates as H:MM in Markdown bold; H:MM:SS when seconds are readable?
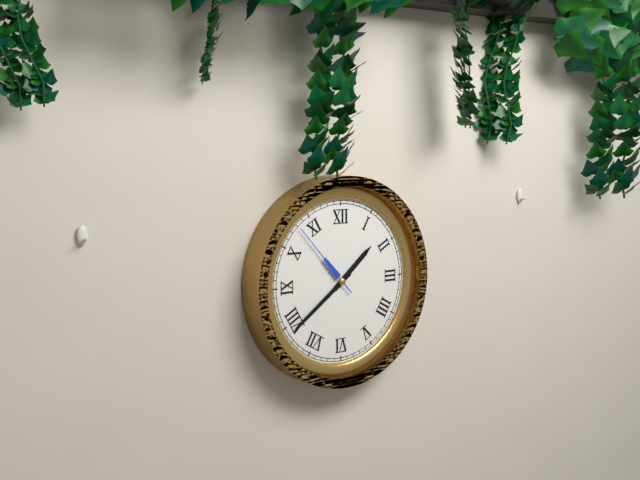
**1:39:53**
